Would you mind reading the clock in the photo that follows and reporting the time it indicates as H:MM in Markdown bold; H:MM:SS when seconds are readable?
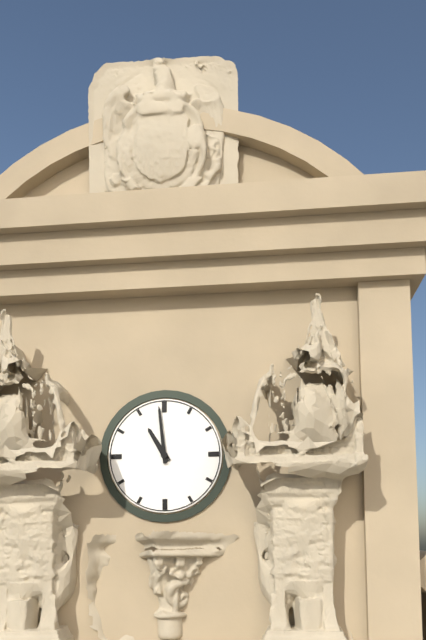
**10:59**
